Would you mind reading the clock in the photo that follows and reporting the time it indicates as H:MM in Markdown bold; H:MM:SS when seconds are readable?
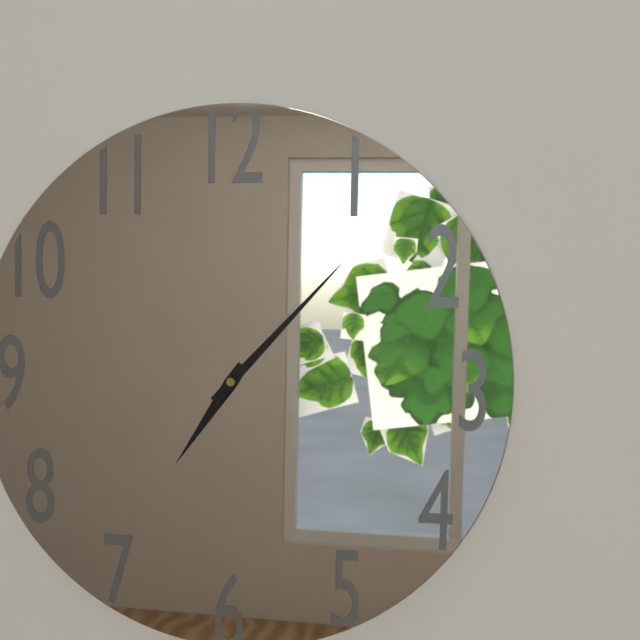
**7:07**
